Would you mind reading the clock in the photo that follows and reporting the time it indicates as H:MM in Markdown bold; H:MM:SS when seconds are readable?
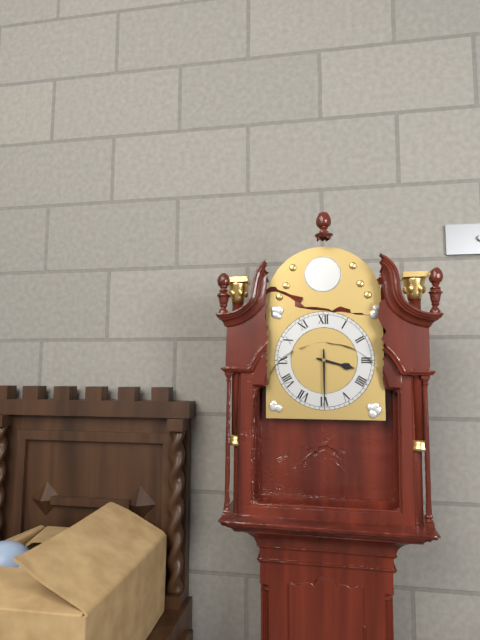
**3:30**
